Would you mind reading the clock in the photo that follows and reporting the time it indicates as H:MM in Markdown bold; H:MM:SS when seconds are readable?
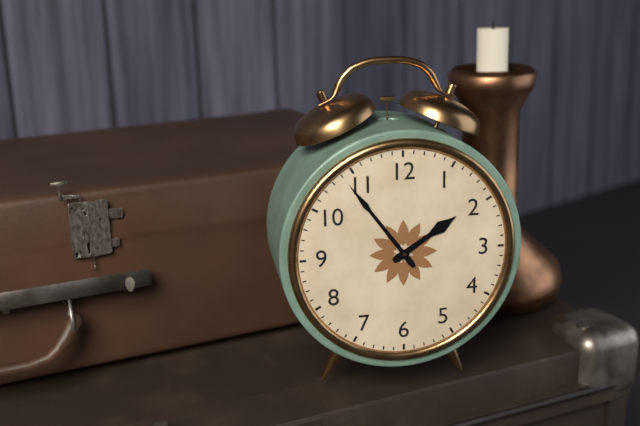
**1:54**
